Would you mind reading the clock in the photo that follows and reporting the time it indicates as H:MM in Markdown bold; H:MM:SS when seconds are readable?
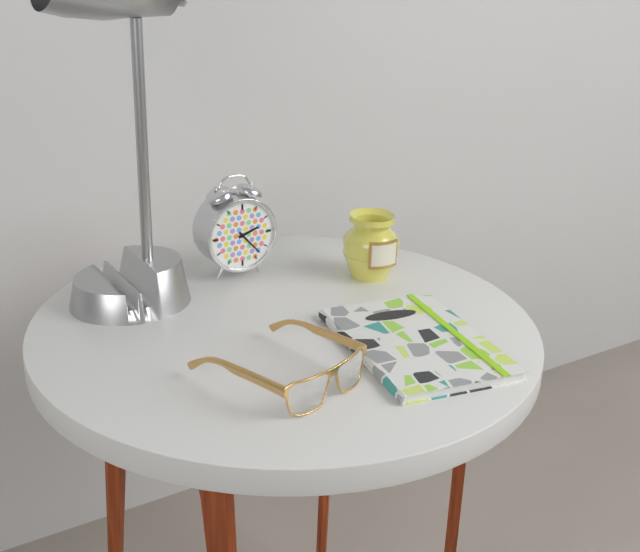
**2:23**
